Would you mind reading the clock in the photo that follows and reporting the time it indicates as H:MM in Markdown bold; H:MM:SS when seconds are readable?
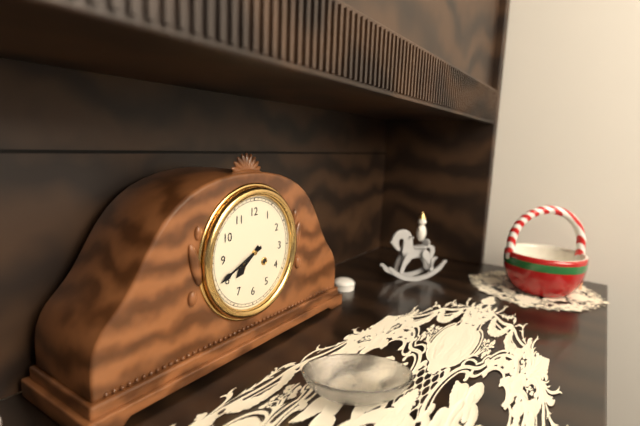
**7:41**
